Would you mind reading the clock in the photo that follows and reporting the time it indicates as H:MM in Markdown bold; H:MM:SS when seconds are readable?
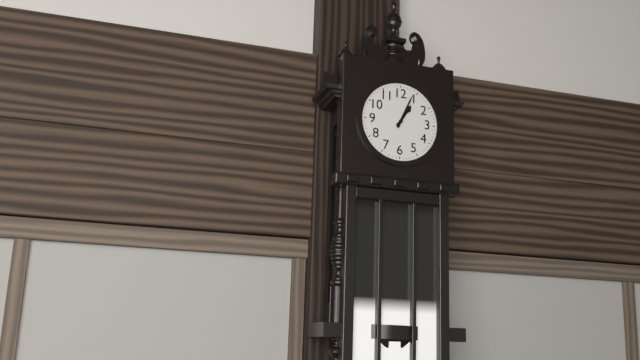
**1:04**
